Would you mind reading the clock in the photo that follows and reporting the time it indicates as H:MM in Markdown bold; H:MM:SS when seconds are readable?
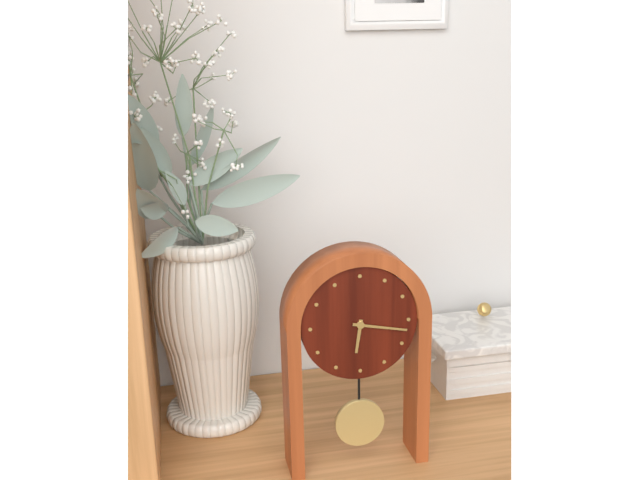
**6:17**
